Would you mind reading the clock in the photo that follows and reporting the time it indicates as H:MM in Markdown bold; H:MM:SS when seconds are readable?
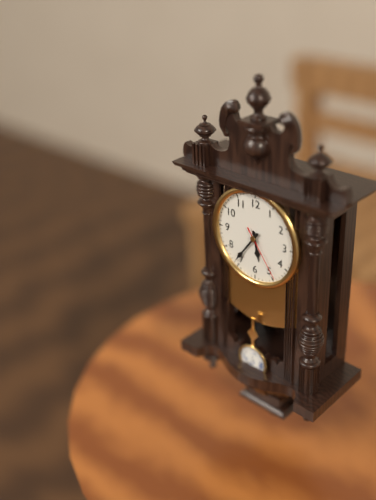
**5:36:24**
